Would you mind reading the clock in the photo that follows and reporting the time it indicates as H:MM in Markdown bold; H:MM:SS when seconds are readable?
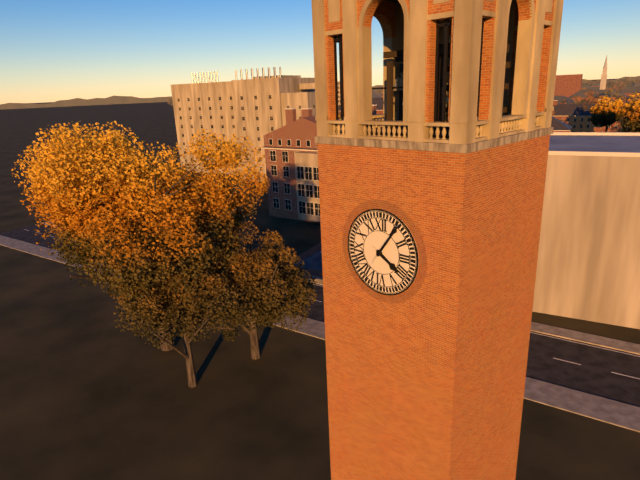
**4:06**
